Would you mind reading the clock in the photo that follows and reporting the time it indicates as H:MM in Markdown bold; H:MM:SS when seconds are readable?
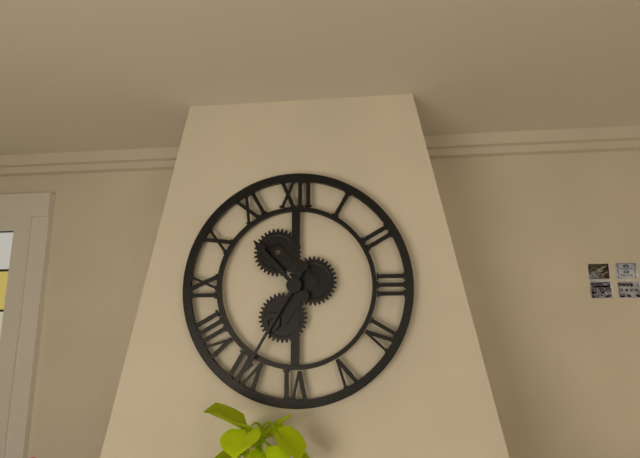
**10:35**
